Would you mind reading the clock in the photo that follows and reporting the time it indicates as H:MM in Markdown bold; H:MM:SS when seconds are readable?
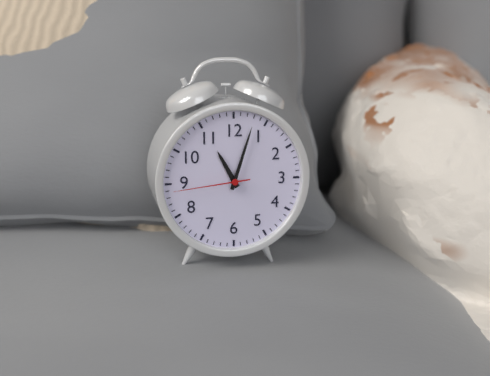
**11:03:44**
